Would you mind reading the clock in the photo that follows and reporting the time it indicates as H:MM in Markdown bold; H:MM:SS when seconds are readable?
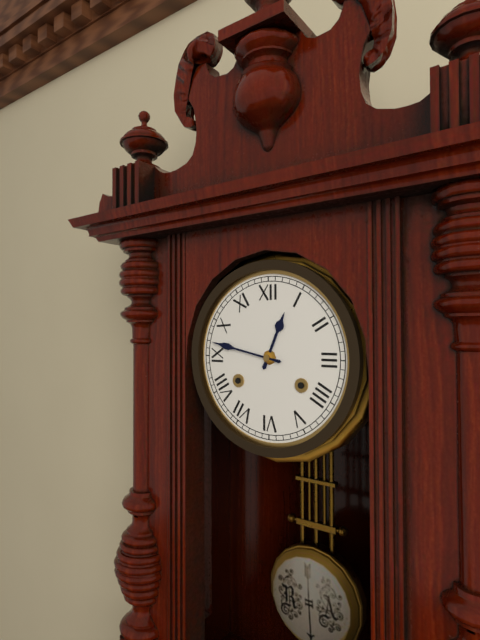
**12:47**
